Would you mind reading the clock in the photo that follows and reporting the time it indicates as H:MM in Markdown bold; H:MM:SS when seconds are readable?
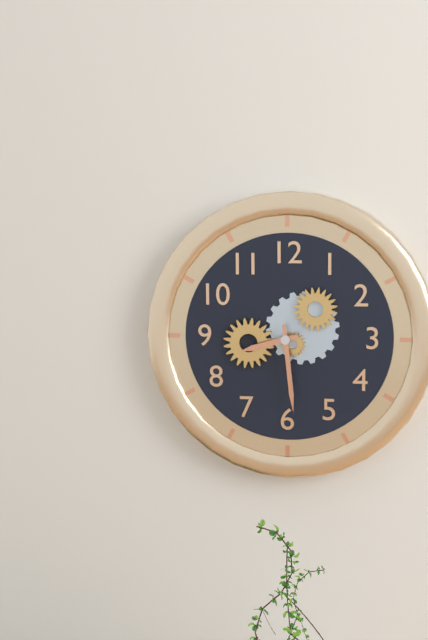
**8:29**
